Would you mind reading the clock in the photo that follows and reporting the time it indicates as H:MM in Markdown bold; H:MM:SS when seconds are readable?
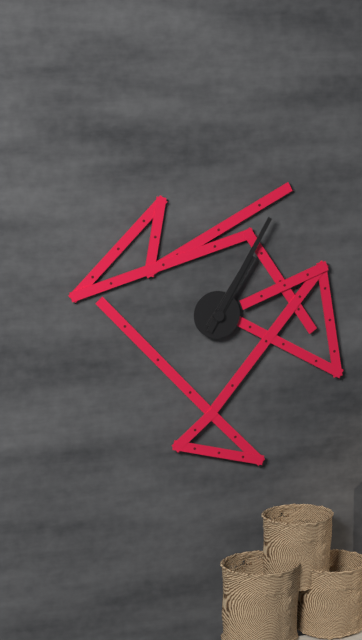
**1:05**
